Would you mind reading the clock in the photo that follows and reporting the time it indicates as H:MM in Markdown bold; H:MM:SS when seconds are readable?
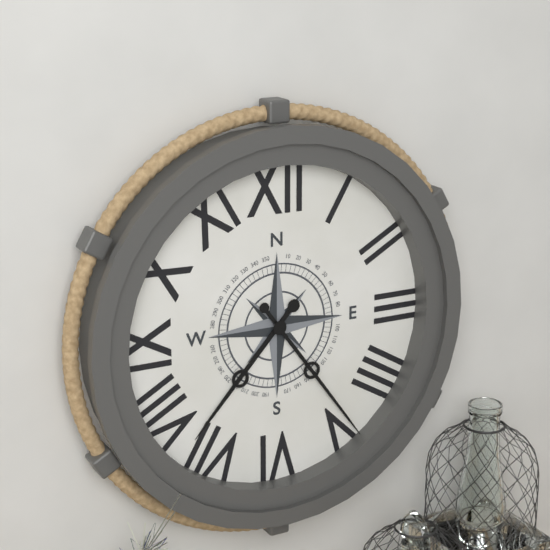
**7:24**
